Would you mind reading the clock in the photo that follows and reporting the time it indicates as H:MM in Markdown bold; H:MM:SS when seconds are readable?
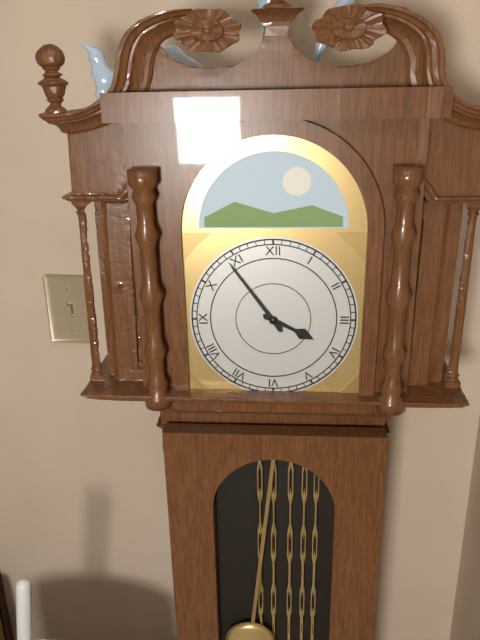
**3:54**
